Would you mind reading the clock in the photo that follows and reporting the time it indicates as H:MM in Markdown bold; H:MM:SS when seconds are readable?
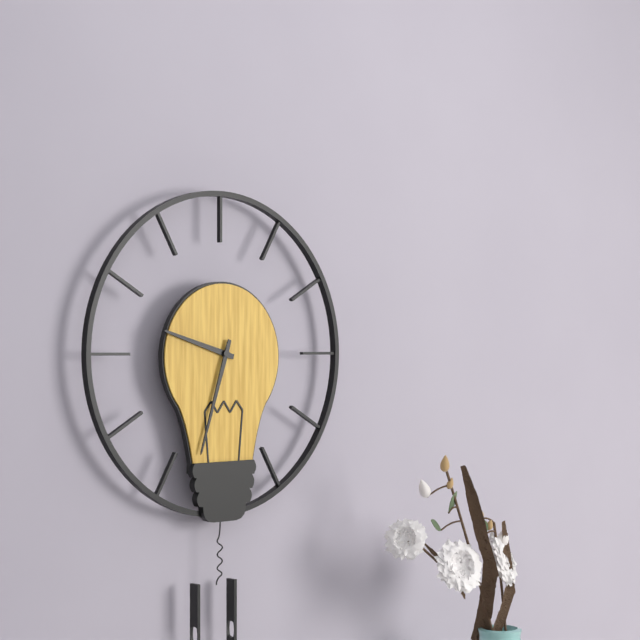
**9:33**
